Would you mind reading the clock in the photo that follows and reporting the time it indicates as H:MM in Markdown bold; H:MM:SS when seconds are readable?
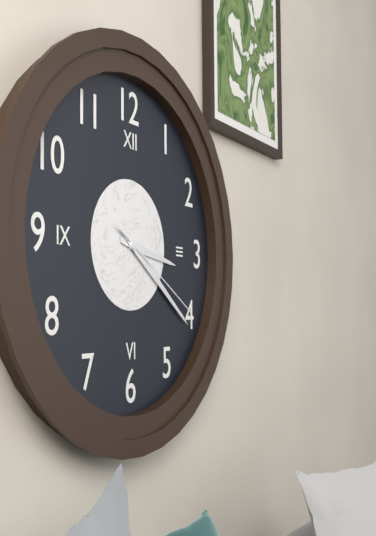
**3:21:20**
